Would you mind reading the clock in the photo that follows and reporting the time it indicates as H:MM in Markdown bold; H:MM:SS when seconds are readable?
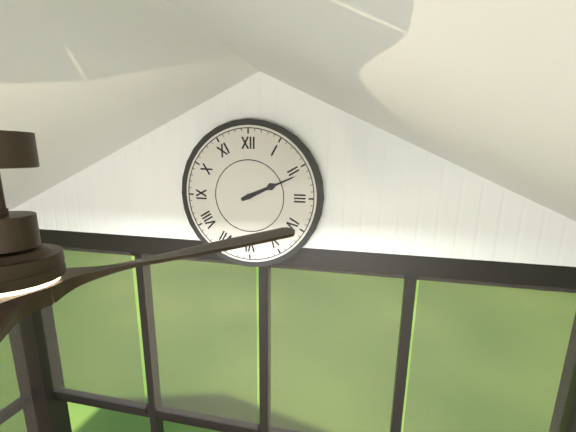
**2:11**
